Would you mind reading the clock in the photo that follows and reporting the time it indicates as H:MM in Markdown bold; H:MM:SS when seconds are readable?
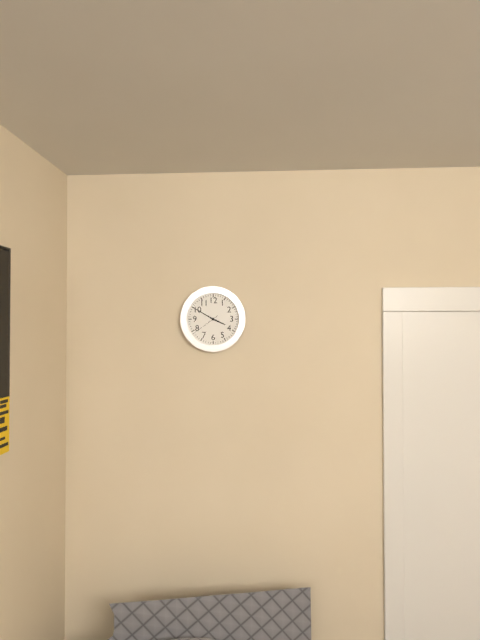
**3:50**
